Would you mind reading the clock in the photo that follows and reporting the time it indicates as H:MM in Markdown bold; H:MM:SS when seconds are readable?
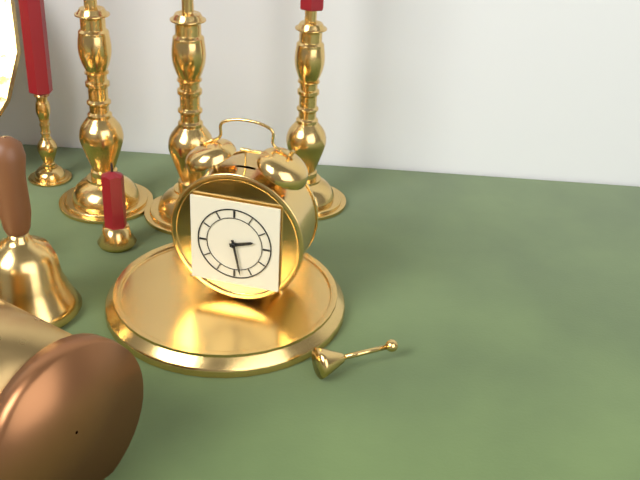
**2:28**
